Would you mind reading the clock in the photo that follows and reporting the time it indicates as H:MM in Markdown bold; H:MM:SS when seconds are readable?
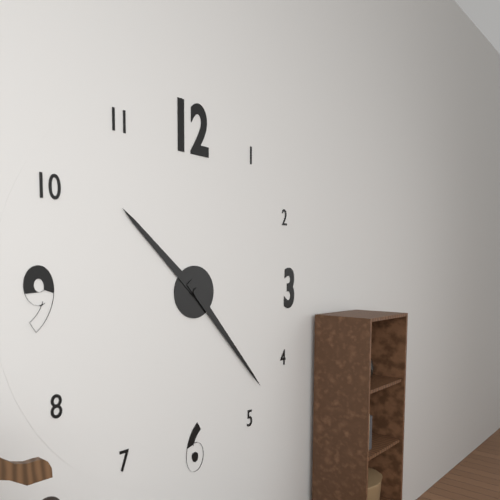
**10:23**
